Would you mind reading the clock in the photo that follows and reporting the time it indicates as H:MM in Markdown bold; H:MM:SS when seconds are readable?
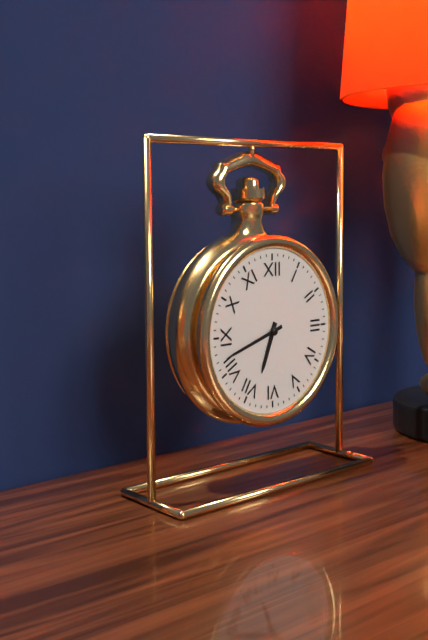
**6:42**
